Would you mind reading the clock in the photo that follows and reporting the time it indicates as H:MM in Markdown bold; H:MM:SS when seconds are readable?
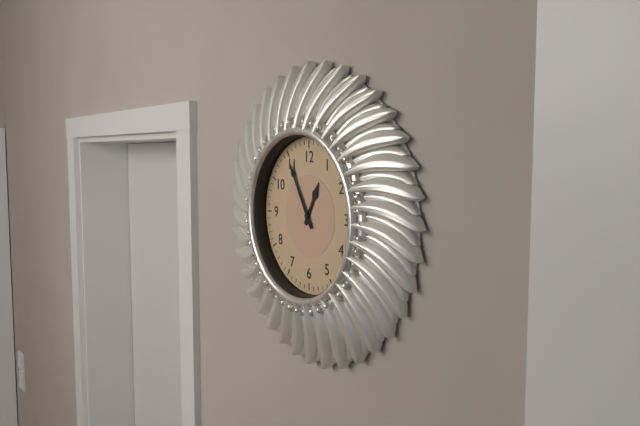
**12:55**
